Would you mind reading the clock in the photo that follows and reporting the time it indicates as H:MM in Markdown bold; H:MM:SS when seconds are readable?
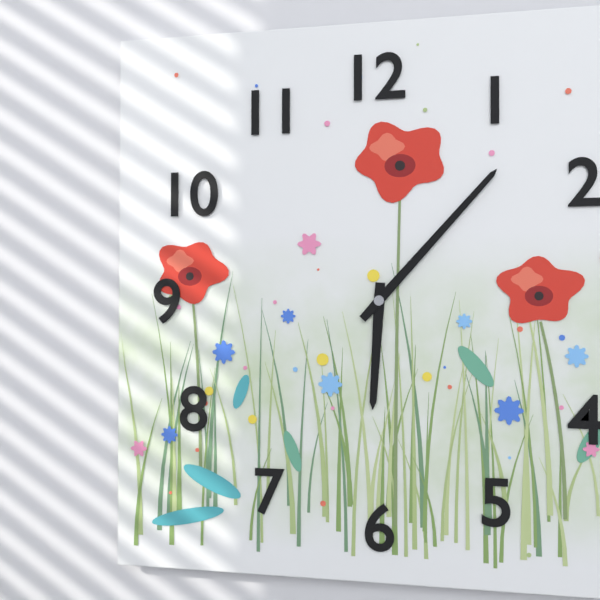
**6:07**
